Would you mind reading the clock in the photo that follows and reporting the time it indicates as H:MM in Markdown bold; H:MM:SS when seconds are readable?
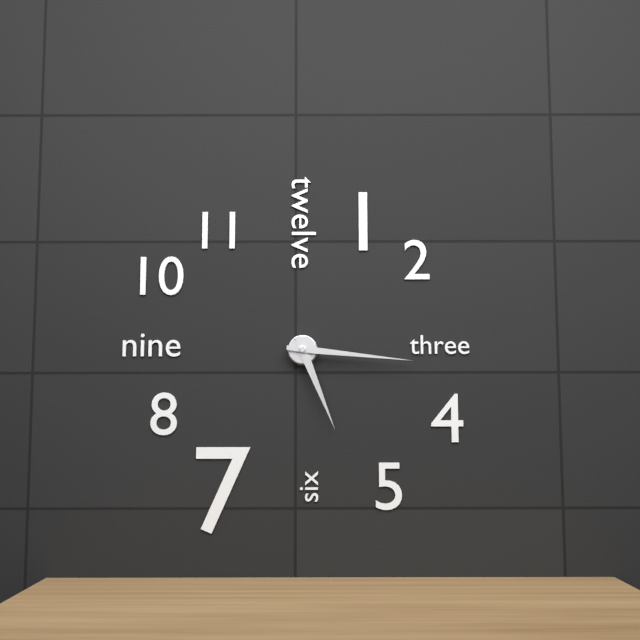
**5:16**
